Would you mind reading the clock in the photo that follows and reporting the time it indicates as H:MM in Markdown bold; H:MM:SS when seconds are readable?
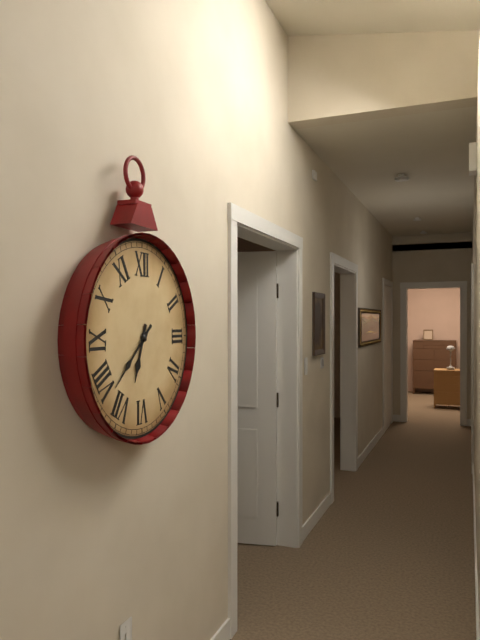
**6:38**
